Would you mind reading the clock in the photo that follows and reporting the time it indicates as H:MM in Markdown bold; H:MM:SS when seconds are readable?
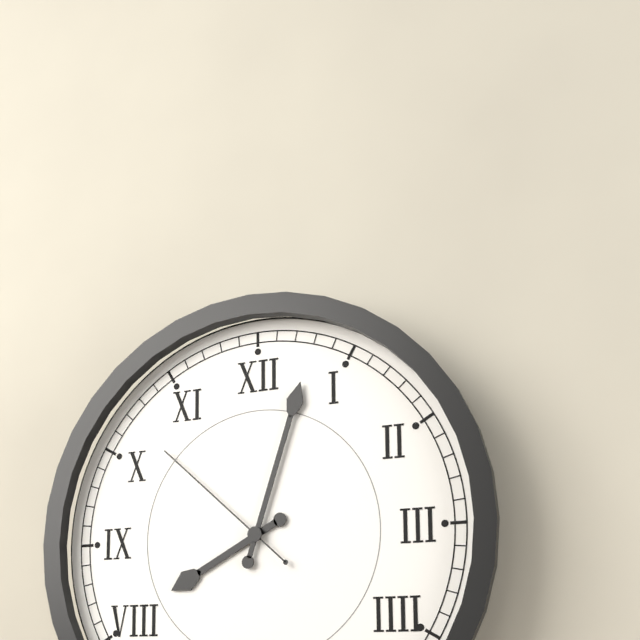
**8:03:52**
